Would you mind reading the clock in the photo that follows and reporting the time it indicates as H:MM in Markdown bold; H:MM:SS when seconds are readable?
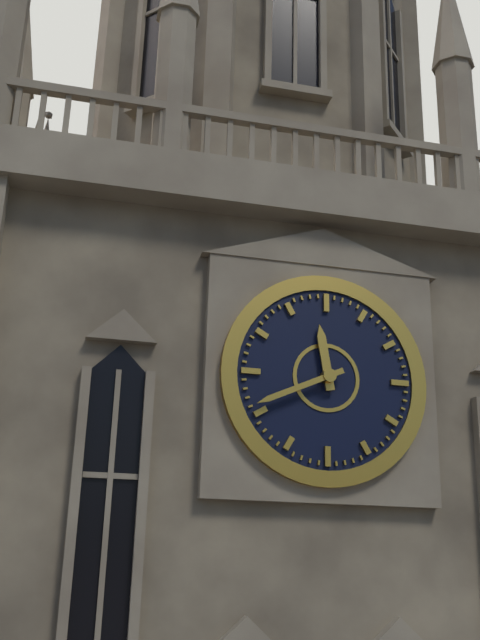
**11:41**
